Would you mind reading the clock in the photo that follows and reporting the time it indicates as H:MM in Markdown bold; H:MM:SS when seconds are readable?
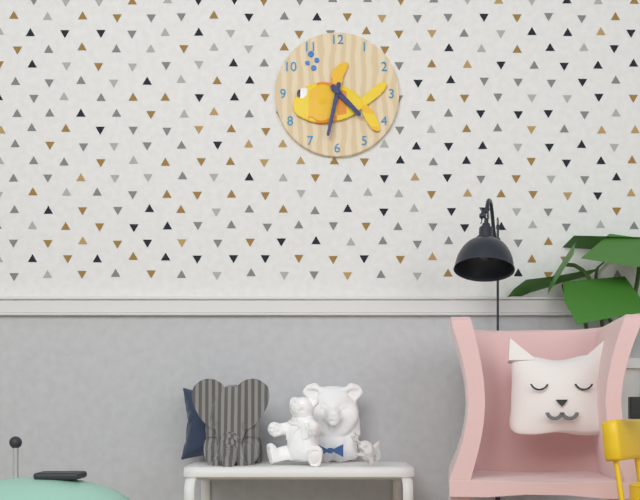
**4:32**
